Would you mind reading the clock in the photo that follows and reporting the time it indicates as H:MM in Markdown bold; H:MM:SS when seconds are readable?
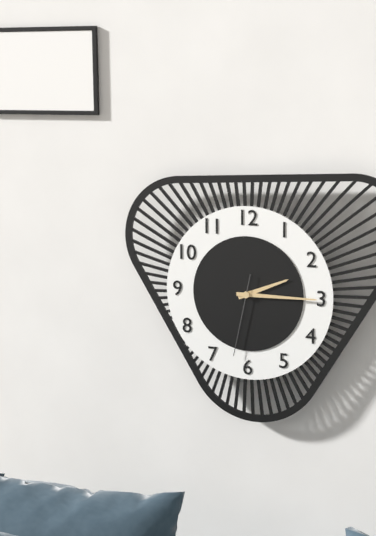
**2:15:32**
